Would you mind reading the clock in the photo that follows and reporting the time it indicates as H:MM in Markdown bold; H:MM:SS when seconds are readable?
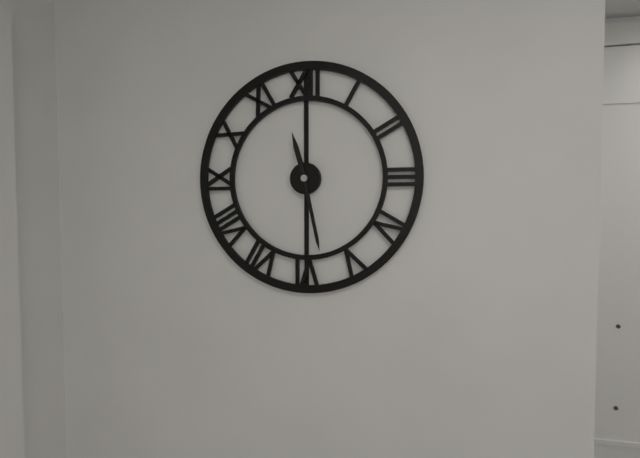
**11:28**
